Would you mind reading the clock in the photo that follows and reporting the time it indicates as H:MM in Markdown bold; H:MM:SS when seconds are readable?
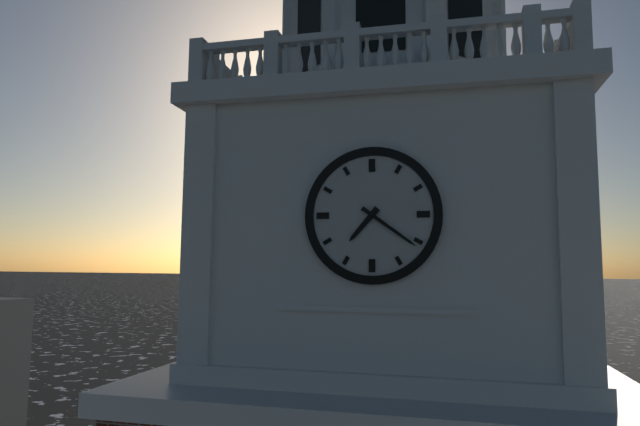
**7:21**
